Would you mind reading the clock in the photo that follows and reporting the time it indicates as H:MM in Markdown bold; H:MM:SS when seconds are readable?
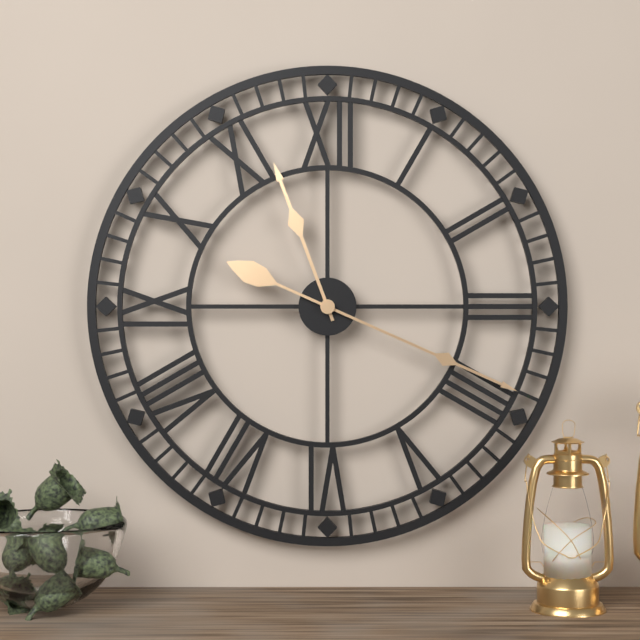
**11:19**
